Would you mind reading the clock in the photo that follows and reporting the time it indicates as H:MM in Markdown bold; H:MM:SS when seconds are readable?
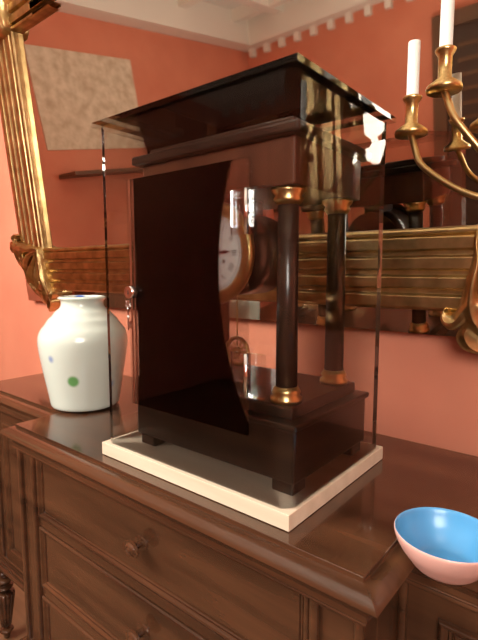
**2:52**
